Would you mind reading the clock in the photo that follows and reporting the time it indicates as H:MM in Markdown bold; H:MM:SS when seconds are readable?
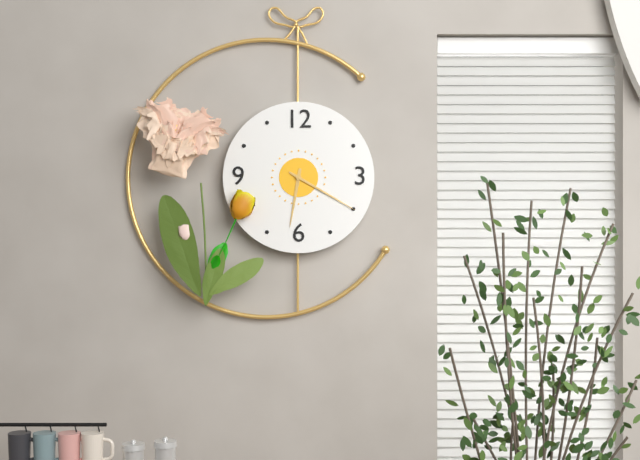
**6:20**
